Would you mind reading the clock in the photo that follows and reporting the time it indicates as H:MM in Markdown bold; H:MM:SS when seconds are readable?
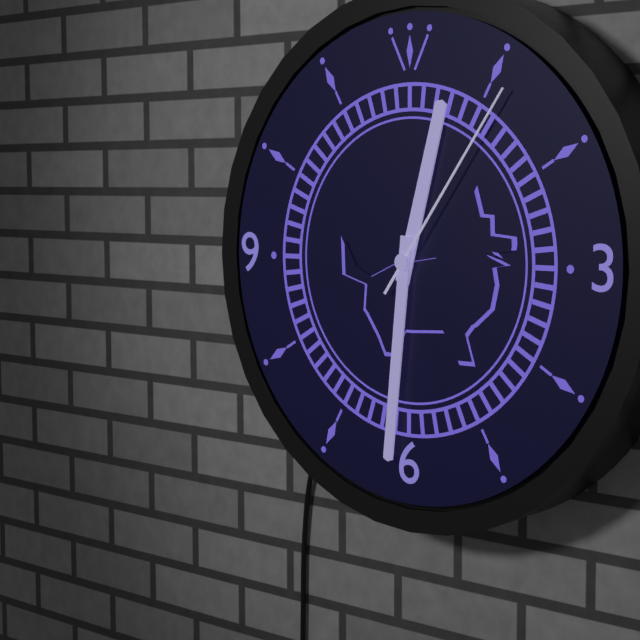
**12:31:06**
